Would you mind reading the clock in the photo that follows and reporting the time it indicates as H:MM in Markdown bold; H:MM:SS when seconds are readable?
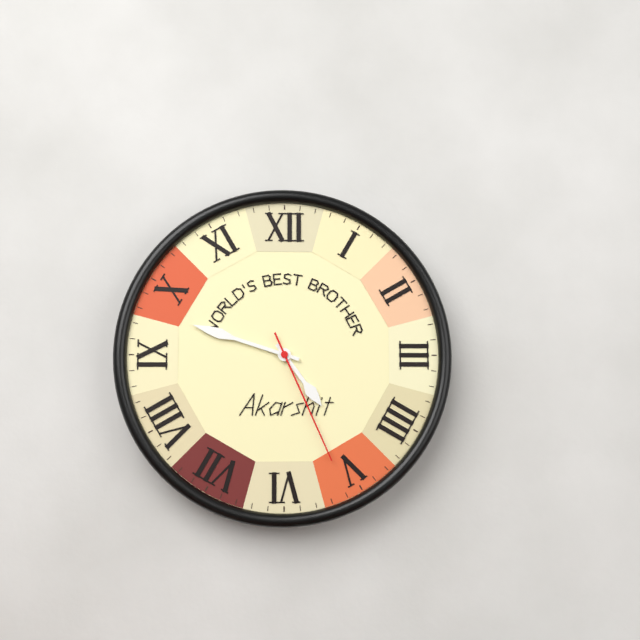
**4:48:26**
